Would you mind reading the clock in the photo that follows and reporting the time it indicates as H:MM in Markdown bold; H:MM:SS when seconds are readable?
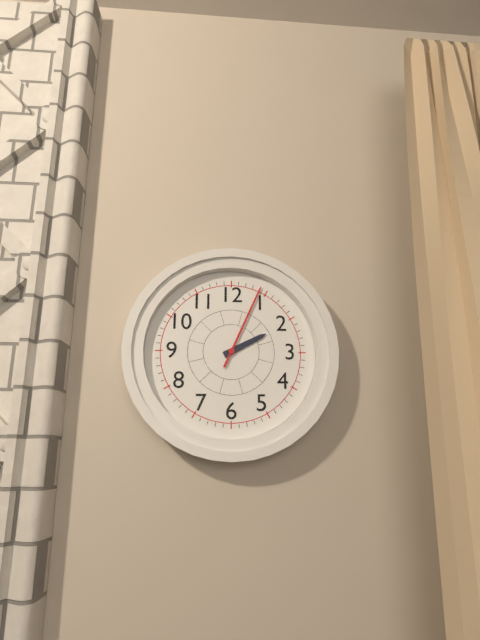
**2:04**
